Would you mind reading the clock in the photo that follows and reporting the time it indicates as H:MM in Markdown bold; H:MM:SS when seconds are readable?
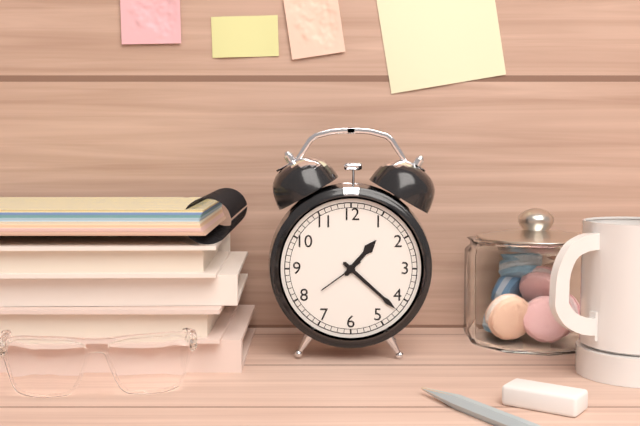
**1:22**
